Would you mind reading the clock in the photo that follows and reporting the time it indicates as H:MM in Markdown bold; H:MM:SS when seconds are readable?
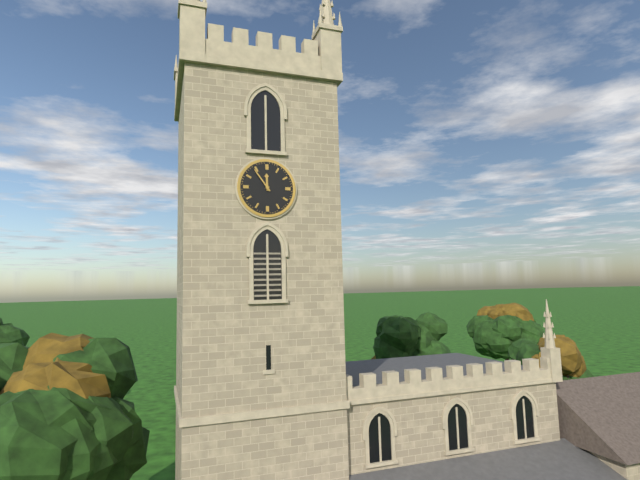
**11:54**
